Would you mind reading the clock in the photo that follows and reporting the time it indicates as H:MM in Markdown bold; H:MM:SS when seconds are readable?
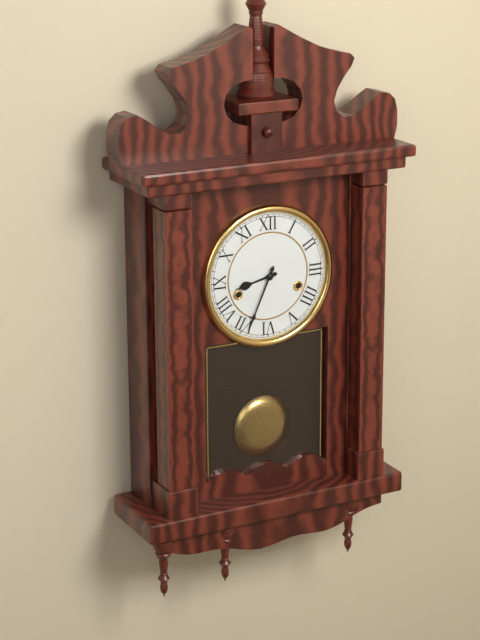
**8:34**
